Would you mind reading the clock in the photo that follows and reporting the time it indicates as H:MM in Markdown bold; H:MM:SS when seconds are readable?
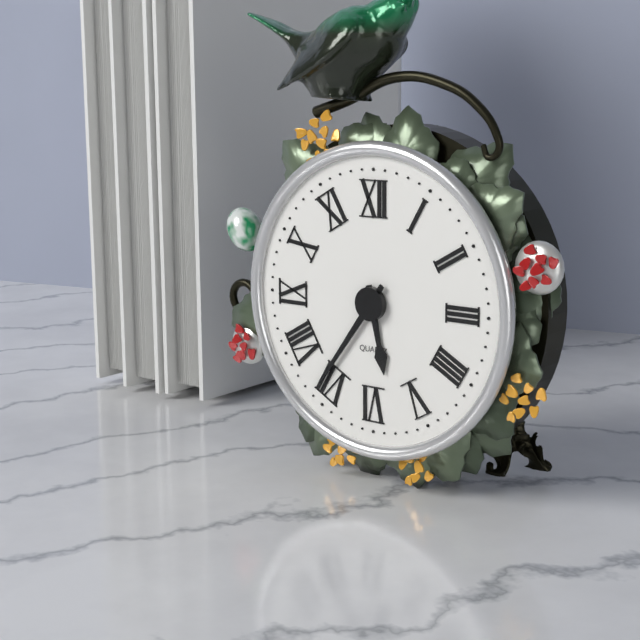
**5:36**
